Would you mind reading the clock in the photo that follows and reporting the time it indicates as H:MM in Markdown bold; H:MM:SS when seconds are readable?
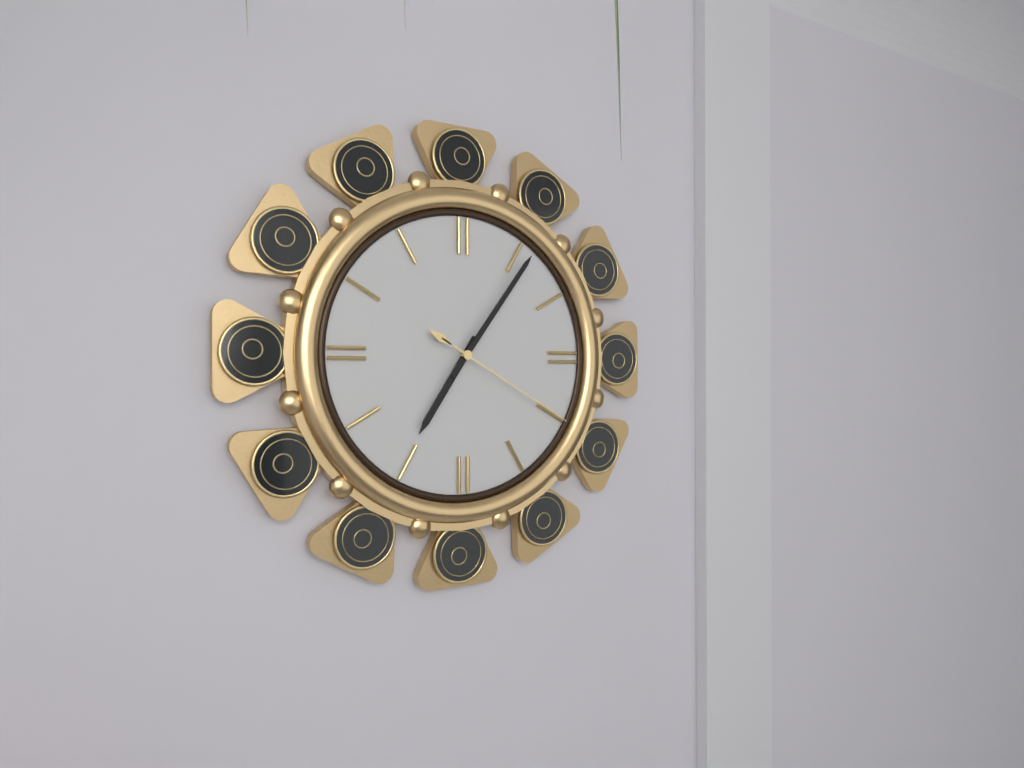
**7:06:20**
